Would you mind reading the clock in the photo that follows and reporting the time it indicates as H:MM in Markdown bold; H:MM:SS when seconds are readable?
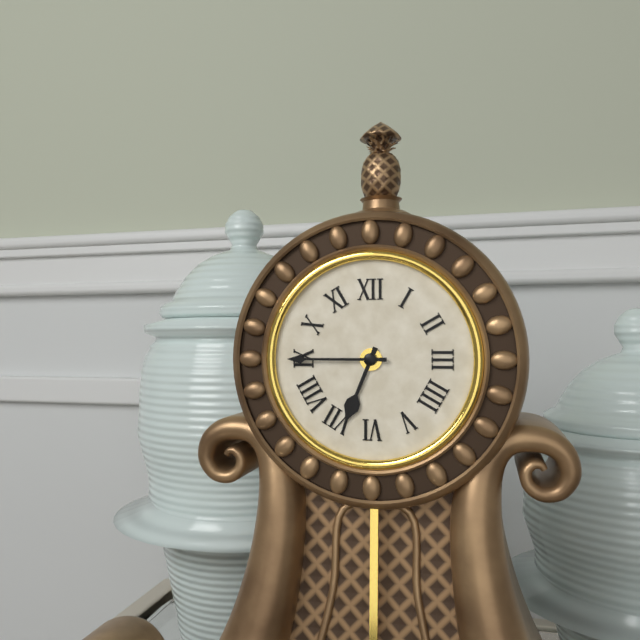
**6:45**
